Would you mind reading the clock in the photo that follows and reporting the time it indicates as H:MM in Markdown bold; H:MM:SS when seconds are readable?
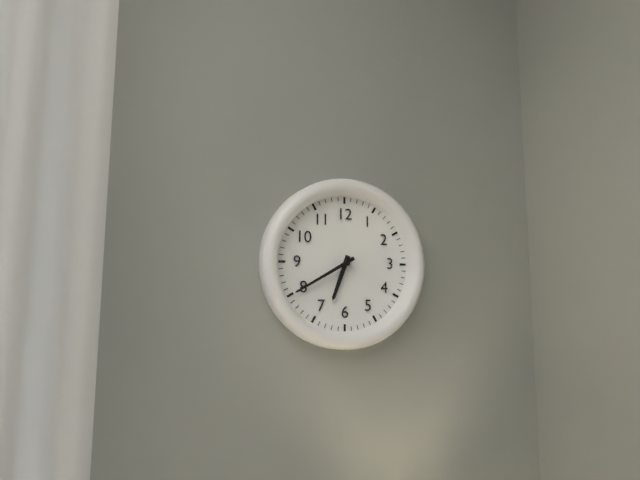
**6:40**
